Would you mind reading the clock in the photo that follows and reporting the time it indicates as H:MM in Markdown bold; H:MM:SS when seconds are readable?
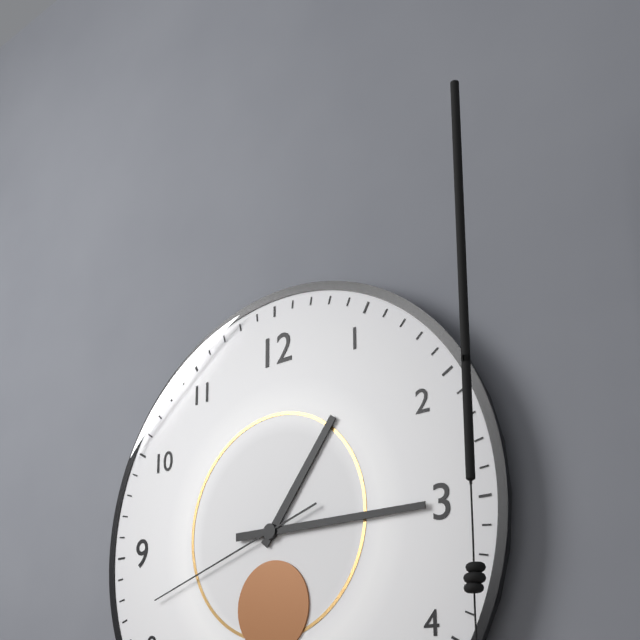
**1:15:42**
